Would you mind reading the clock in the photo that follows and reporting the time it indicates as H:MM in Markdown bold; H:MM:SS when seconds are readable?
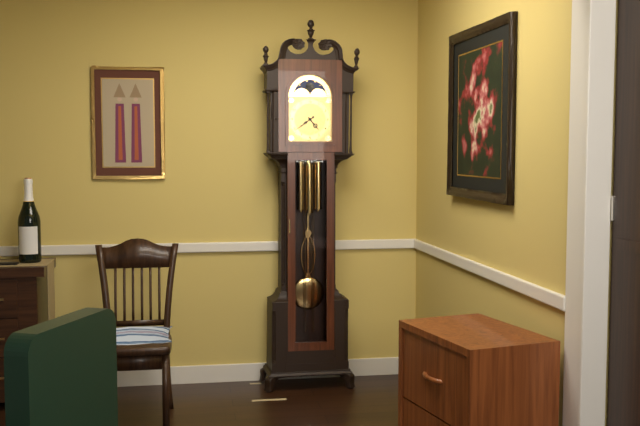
**4:39**
